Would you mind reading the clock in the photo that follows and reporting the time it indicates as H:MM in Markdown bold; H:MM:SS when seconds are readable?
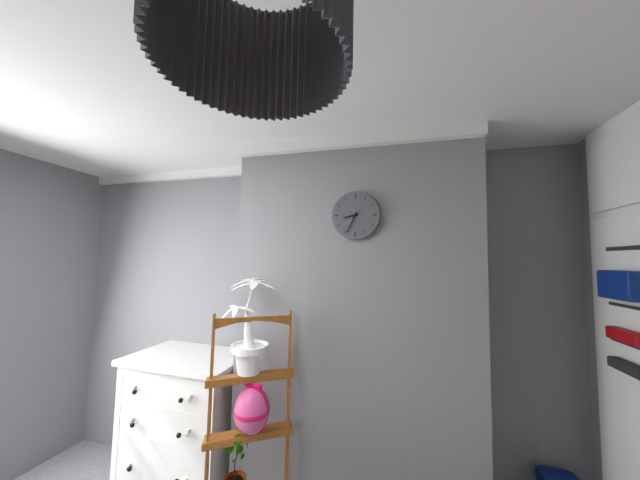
**8:34**
